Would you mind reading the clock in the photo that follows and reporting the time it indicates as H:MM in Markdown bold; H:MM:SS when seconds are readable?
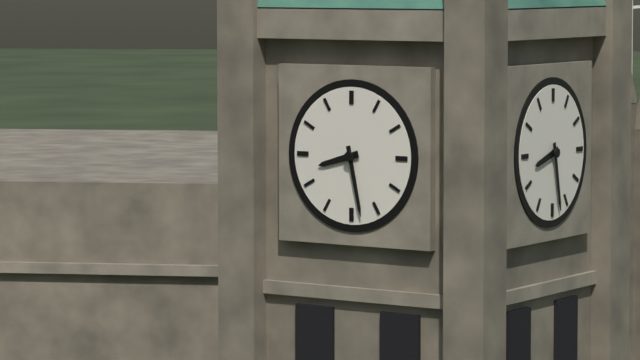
**8:28**
